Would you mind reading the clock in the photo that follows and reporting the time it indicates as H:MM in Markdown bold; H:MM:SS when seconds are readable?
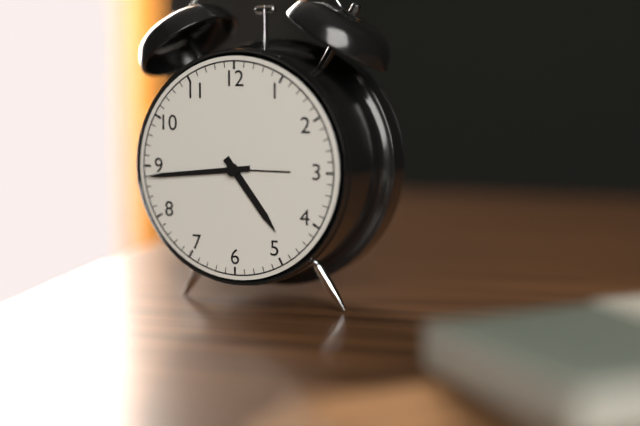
**4:44**
